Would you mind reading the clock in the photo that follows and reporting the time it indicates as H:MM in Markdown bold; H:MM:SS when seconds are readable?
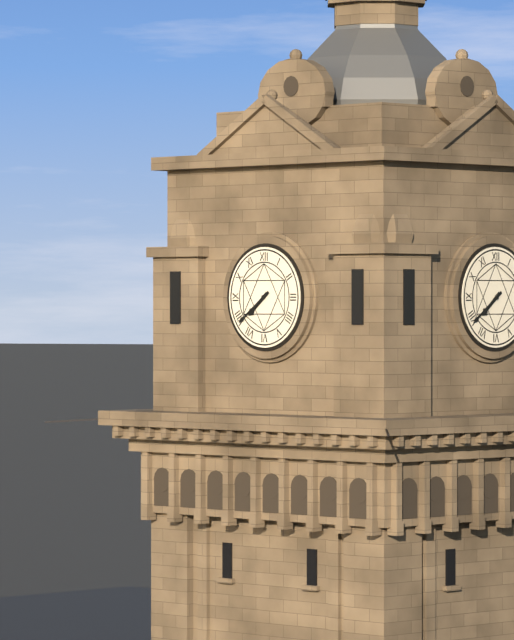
**7:39**
